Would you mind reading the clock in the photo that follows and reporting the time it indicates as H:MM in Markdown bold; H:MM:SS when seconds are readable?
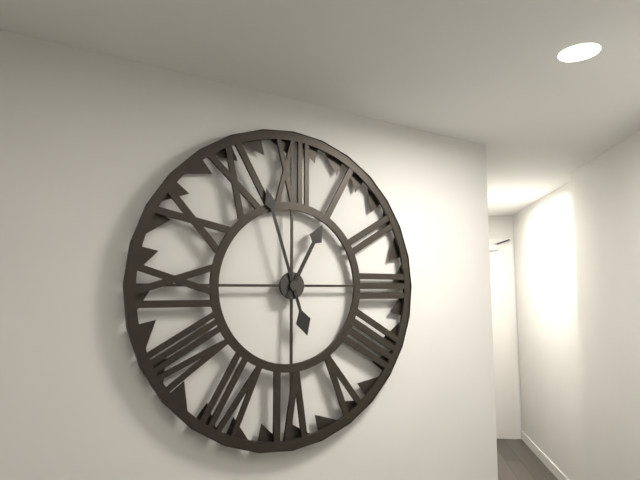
**12:57**
